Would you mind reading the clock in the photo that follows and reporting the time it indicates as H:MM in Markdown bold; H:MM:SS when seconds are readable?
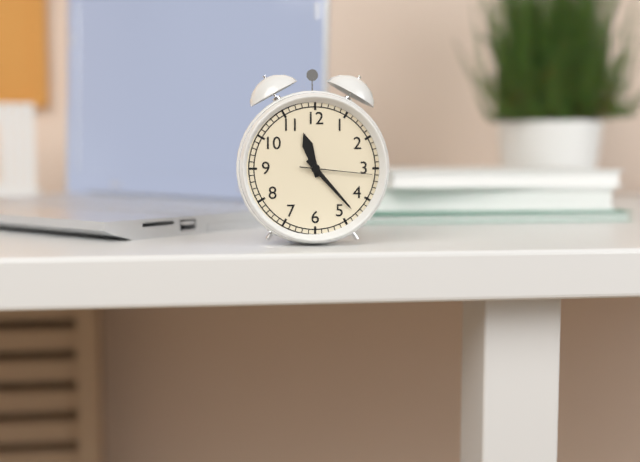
**11:23:16**
